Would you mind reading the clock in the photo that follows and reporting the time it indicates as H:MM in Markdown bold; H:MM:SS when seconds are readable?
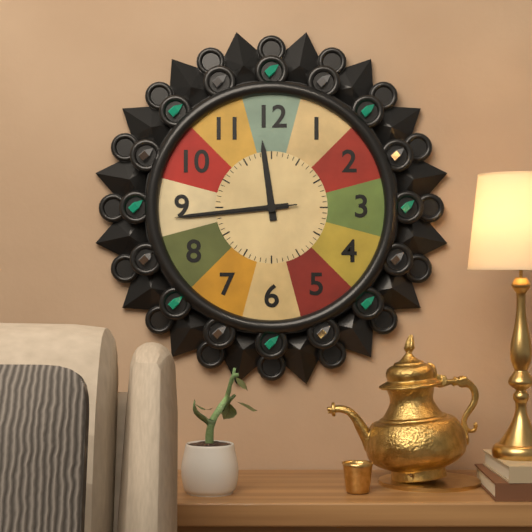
**11:44:44**
